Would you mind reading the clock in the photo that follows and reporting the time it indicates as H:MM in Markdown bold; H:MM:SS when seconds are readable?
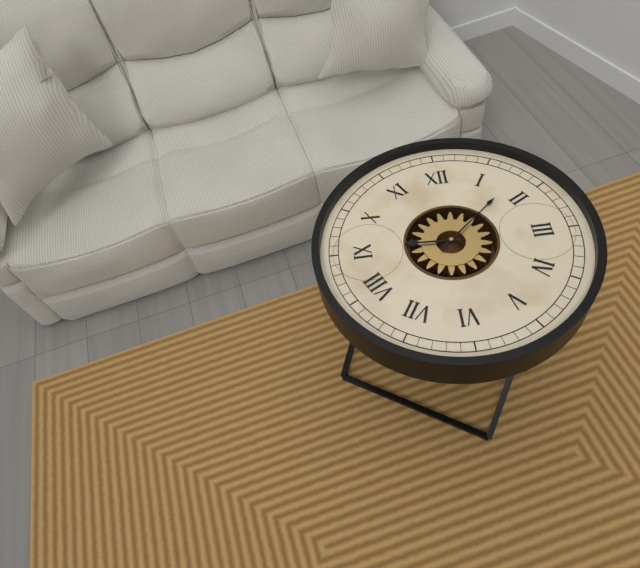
**9:08**
